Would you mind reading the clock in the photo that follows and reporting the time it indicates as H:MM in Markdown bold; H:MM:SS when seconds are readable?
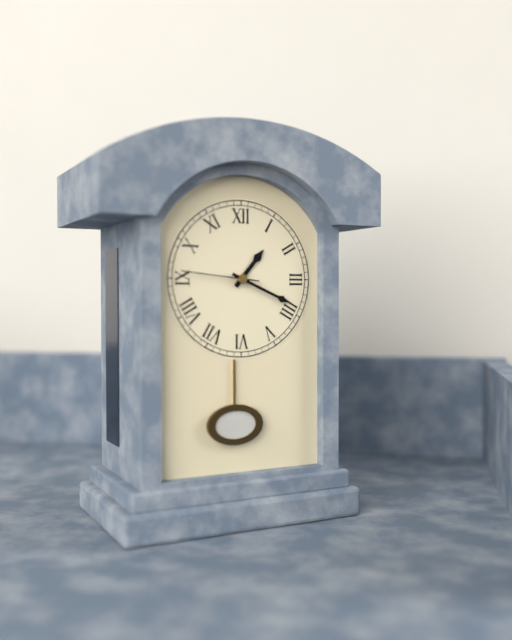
**1:19**
